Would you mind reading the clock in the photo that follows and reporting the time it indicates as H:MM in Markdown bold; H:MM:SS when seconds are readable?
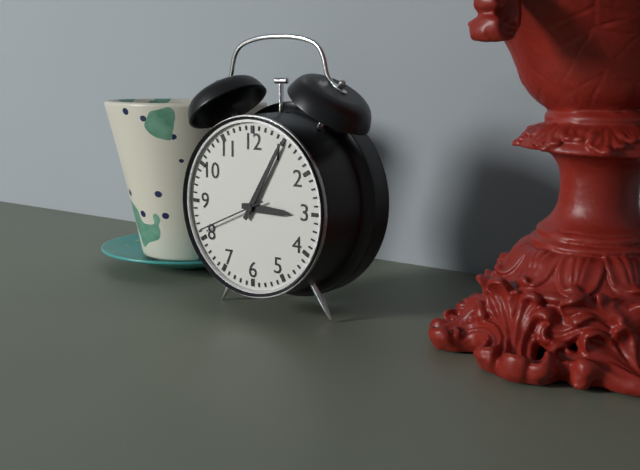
**3:05:41**
